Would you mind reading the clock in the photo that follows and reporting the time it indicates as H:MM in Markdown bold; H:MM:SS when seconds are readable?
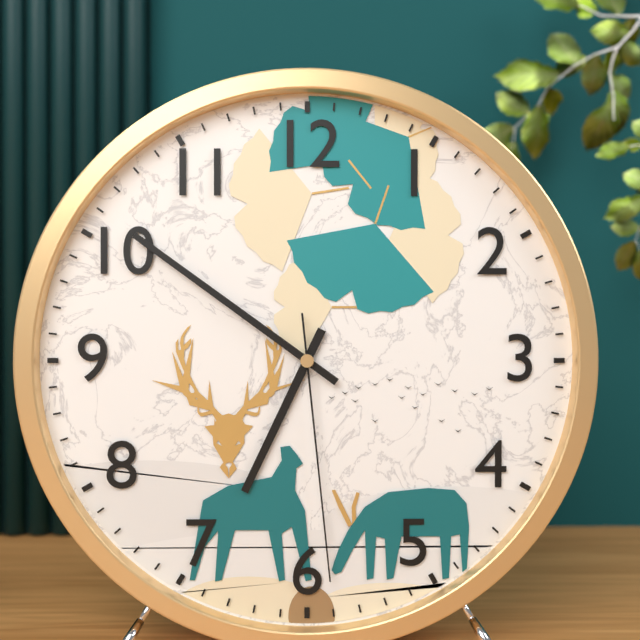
**6:51:29**
